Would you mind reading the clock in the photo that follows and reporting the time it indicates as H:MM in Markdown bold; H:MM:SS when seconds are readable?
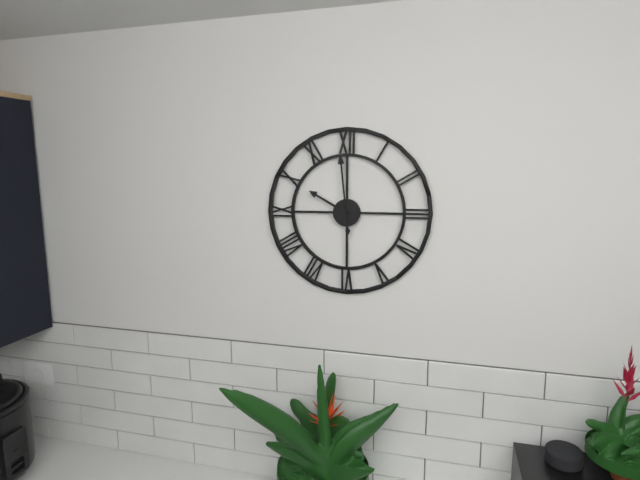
**9:59**
